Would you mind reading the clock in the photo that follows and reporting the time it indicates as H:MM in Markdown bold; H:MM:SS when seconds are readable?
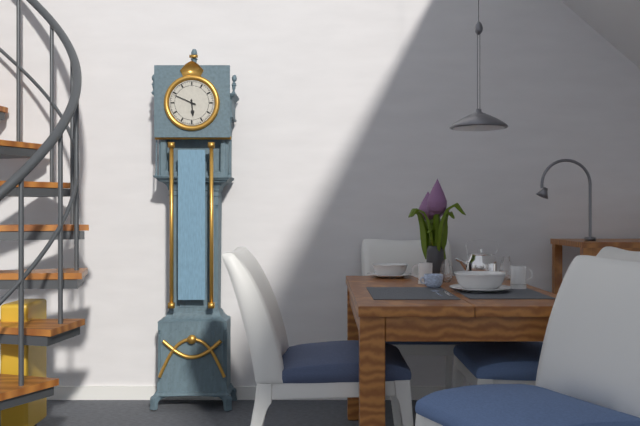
**5:49**
